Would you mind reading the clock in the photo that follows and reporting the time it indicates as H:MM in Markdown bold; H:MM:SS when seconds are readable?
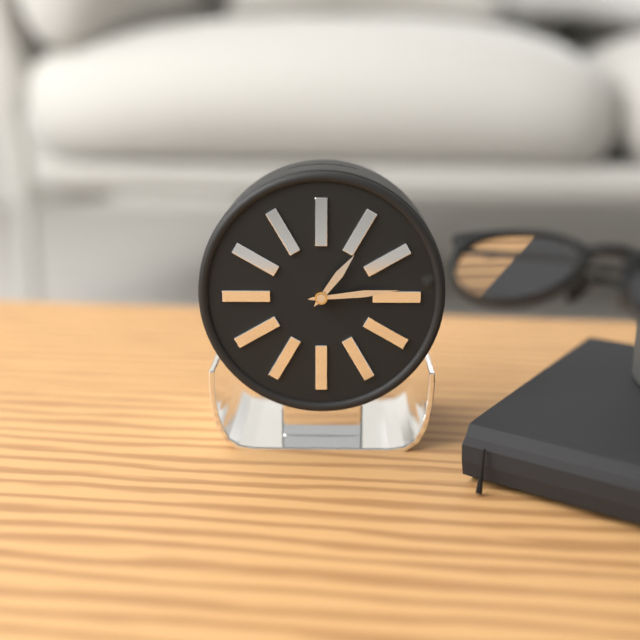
**1:14**
